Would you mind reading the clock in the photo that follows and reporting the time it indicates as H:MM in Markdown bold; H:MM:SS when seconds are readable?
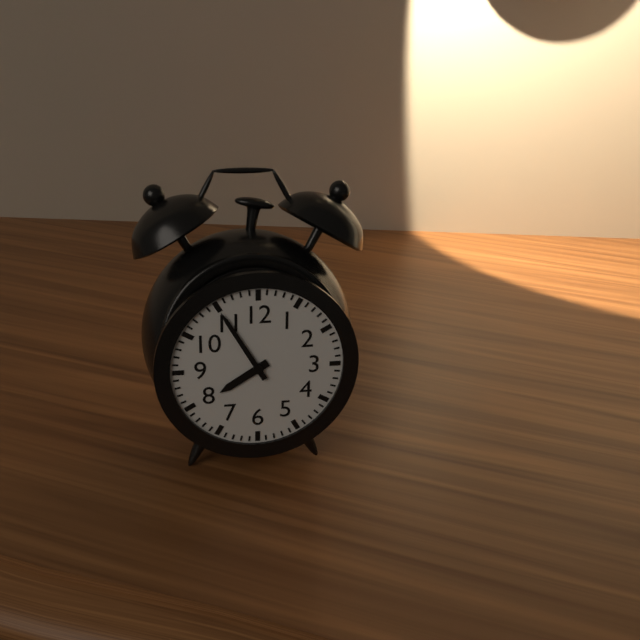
**7:55**
